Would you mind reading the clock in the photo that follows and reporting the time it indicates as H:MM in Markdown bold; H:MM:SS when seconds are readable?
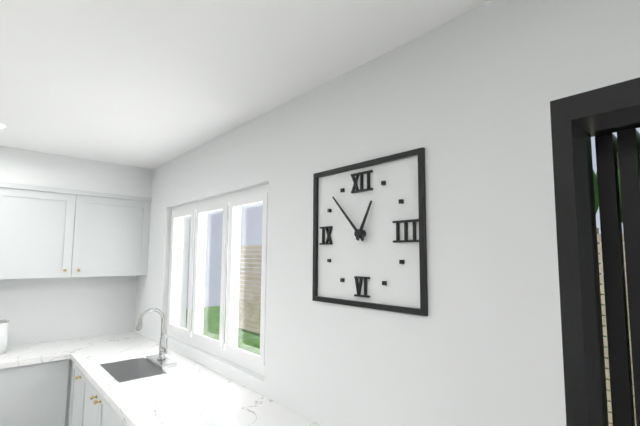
**12:53**
